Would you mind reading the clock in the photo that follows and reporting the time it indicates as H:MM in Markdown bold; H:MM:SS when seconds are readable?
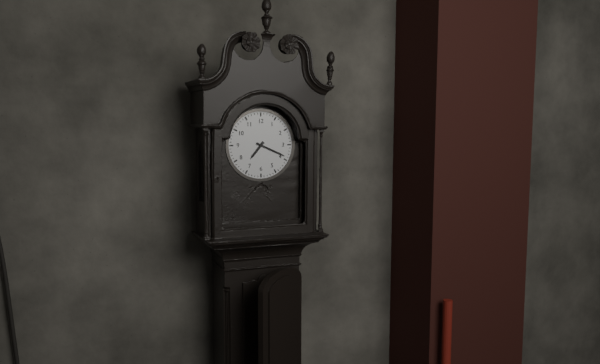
**7:19**
